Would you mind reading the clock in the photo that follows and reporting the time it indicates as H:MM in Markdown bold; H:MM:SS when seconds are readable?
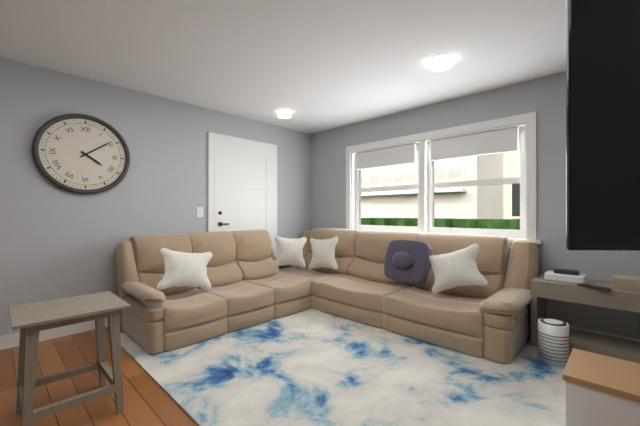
**4:09**
